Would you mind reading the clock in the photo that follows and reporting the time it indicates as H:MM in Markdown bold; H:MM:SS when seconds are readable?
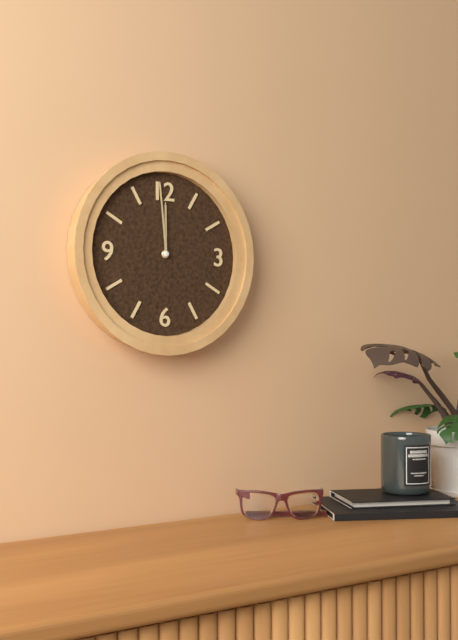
**11:59**
